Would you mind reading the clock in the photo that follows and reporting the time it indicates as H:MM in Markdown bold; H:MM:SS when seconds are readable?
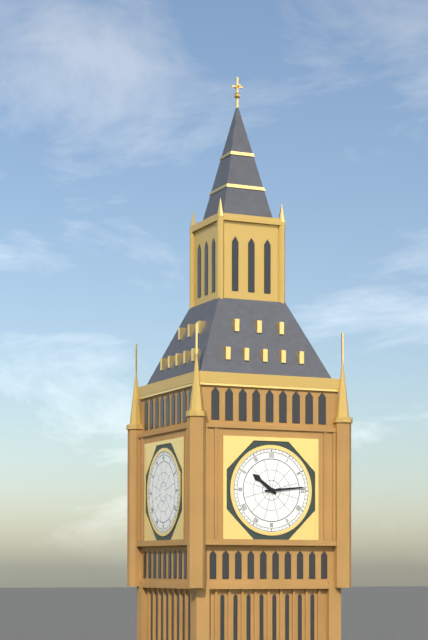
**10:14**
